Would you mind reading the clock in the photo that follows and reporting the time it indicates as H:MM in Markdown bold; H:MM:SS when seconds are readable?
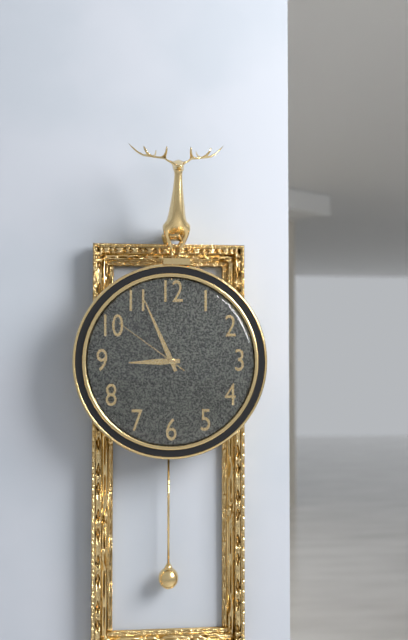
**8:56:51**
